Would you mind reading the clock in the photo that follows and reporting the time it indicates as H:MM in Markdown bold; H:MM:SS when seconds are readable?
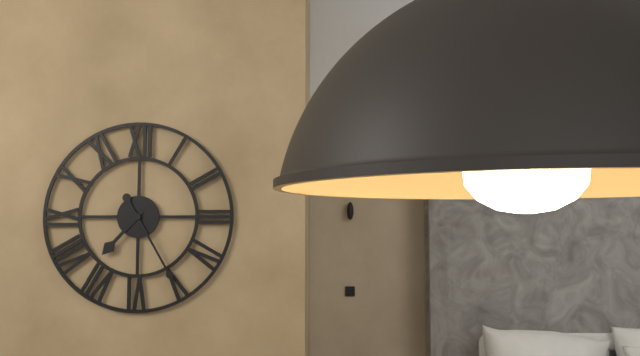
**7:25**
